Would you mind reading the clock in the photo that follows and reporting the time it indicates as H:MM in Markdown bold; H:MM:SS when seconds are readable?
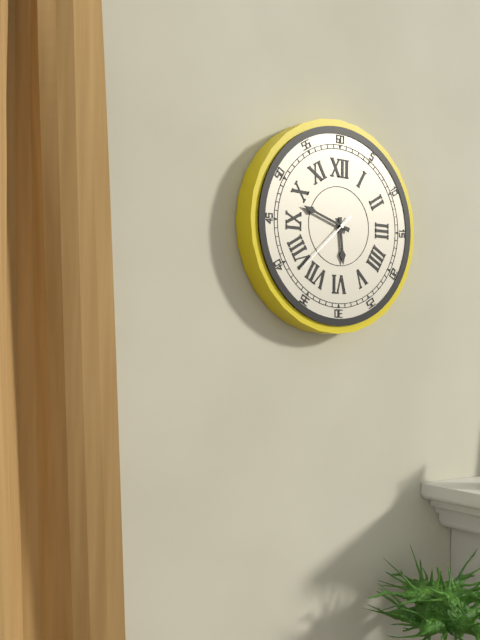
**5:48:38**
